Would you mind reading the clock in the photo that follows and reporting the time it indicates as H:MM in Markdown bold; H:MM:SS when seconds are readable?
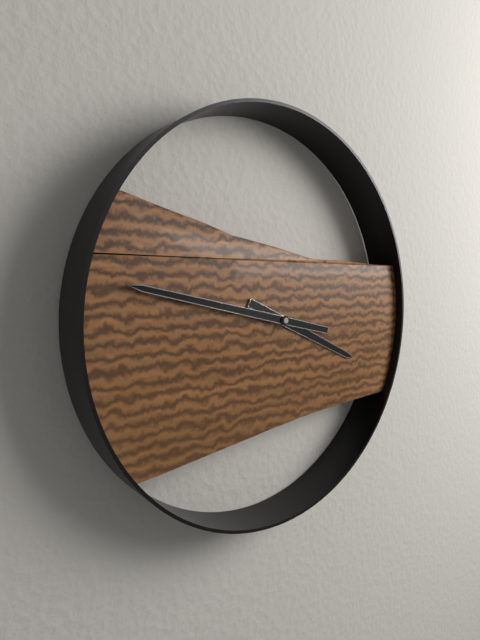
**3:47**
